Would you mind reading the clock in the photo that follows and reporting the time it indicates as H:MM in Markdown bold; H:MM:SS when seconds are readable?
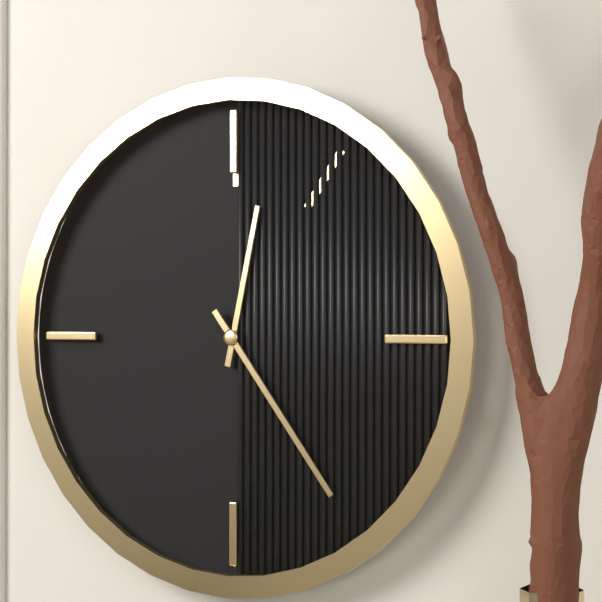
**12:24**
